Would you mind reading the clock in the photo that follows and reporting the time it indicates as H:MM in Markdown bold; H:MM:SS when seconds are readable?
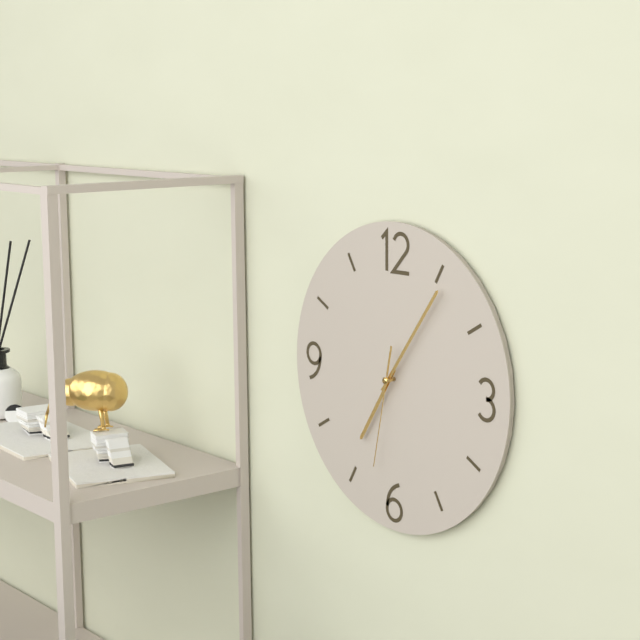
**7:06:32**
